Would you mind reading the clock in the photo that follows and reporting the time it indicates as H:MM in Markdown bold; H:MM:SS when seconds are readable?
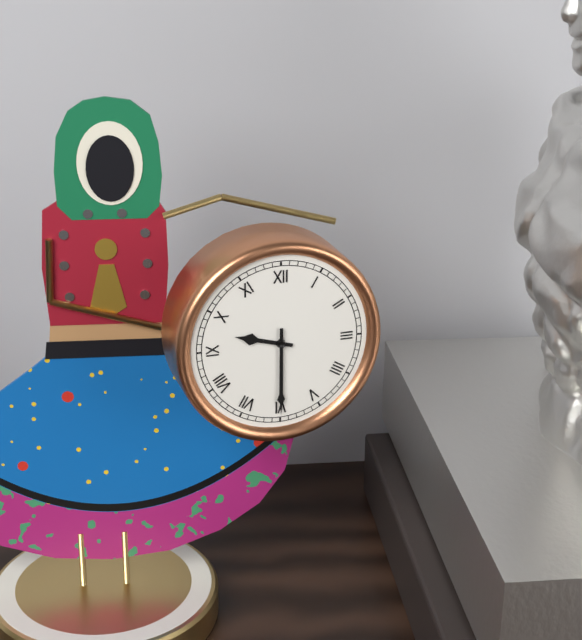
**9:30**
